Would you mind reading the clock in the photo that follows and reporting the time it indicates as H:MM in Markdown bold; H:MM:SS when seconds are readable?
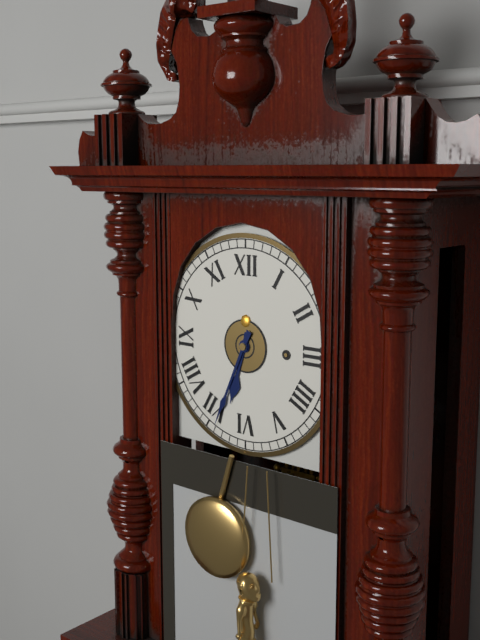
**6:34**
